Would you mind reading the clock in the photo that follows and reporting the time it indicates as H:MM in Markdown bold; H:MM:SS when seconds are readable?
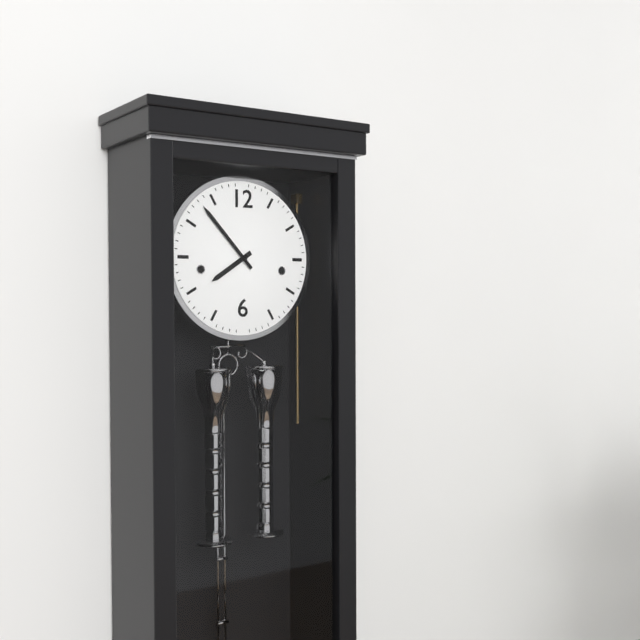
**7:53**
